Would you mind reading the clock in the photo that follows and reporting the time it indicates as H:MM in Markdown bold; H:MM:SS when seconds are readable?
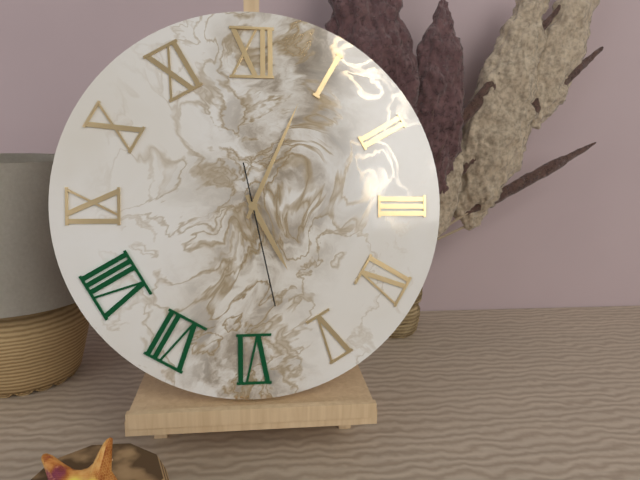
**5:04:28**
